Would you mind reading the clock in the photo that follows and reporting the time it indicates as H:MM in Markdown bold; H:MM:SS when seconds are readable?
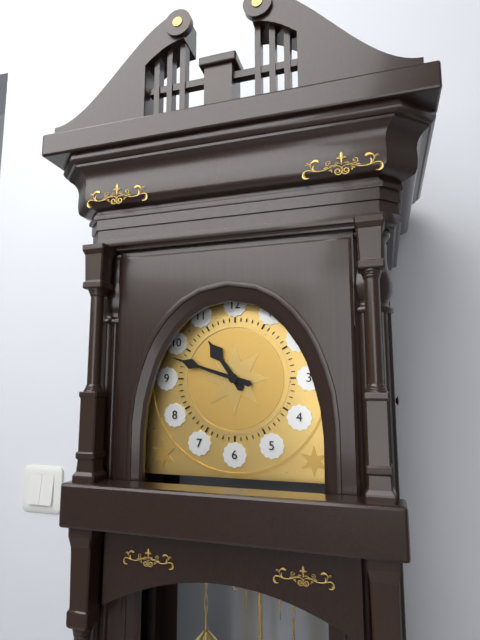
**10:48**
